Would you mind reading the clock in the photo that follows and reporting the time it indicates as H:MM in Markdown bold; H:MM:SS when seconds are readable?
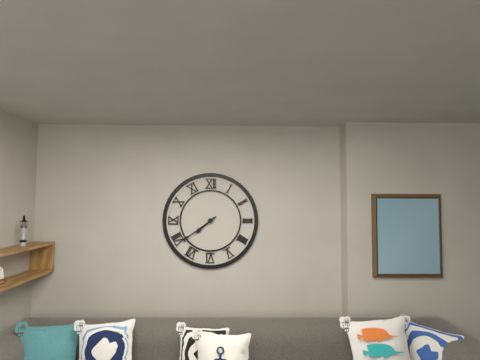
**7:39**
